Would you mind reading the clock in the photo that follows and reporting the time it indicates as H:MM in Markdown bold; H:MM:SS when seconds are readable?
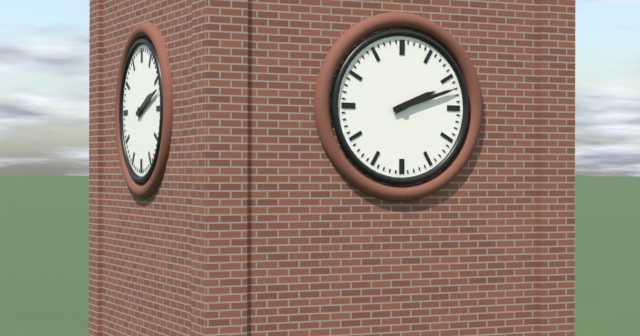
**2:12**
